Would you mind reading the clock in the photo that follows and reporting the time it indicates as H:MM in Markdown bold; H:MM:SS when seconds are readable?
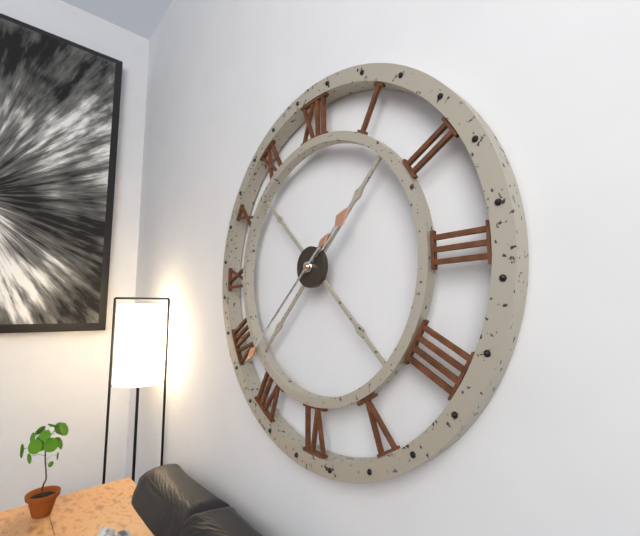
**1:38**
